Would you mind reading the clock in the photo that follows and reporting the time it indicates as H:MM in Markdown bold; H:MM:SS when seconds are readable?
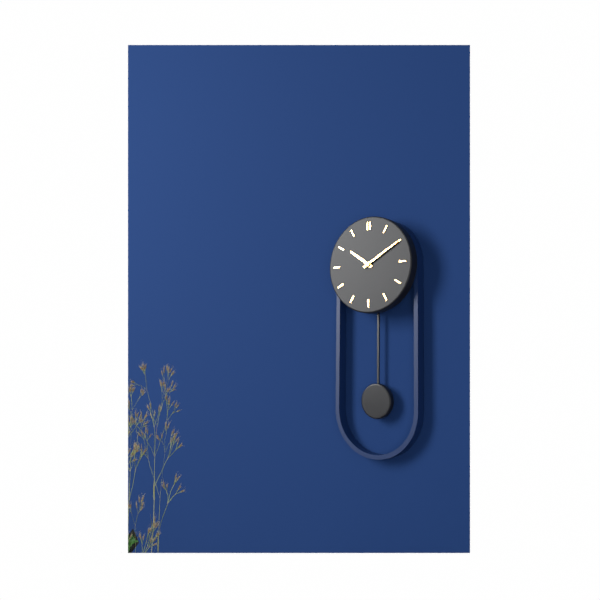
**10:10**
